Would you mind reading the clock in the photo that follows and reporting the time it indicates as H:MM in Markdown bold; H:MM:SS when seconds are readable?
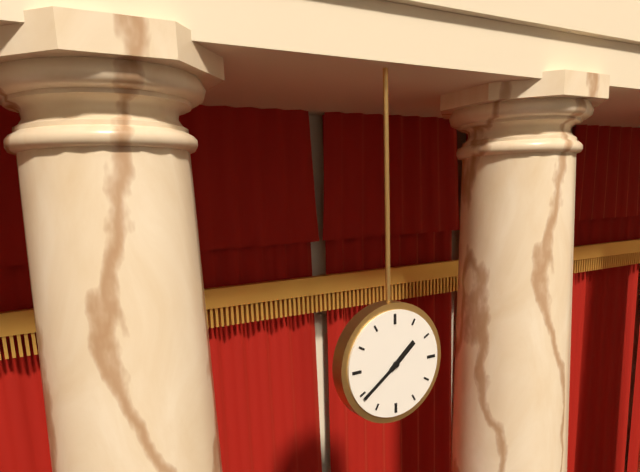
**1:39**
